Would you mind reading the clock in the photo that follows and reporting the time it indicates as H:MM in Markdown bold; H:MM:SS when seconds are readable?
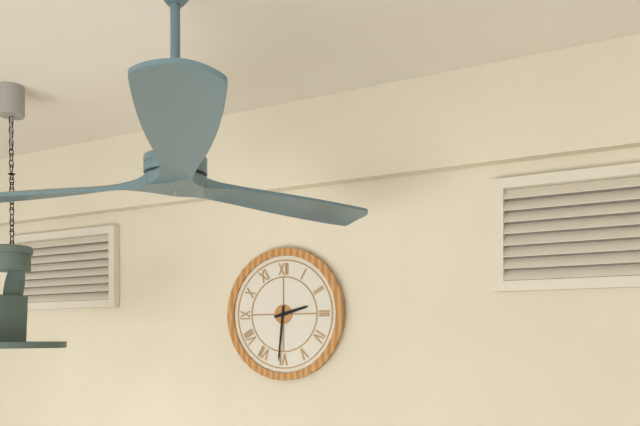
**2:31**
